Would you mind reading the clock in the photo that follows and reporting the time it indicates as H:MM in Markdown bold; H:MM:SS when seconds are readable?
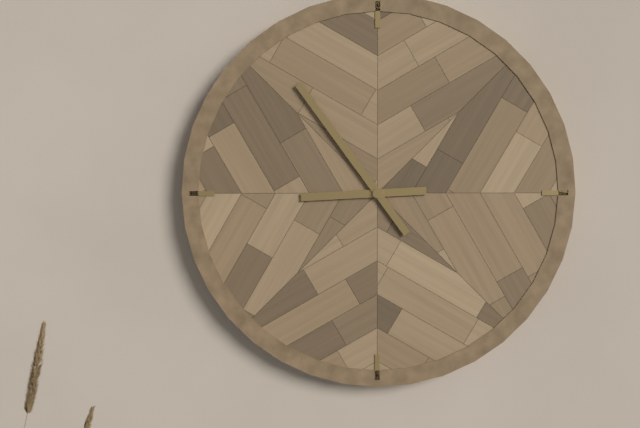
**8:54**
